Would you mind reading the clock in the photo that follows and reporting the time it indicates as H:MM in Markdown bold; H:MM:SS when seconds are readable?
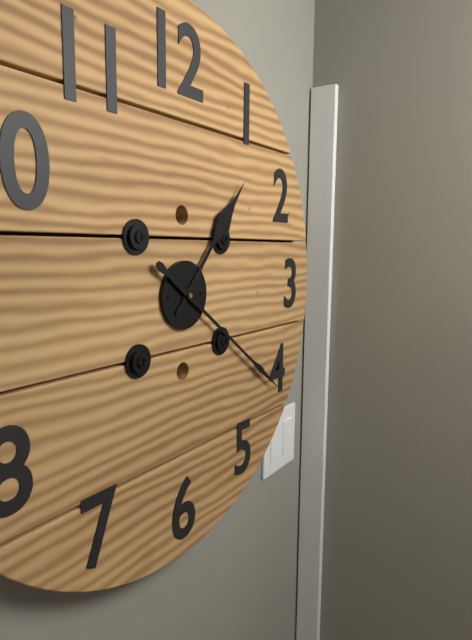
**1:21**
